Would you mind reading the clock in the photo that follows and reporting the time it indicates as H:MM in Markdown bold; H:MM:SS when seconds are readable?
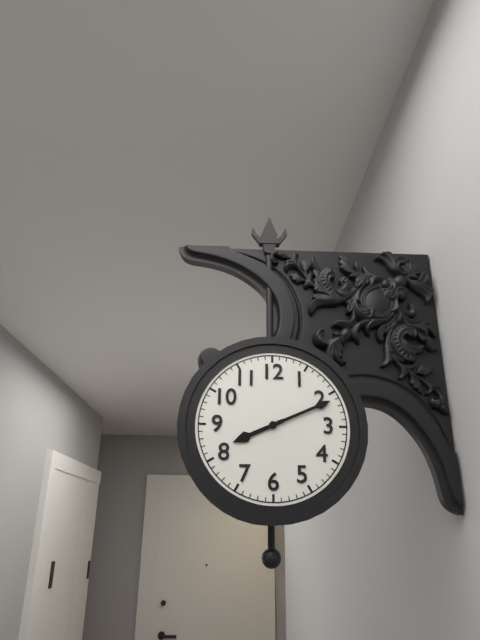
**8:11**
